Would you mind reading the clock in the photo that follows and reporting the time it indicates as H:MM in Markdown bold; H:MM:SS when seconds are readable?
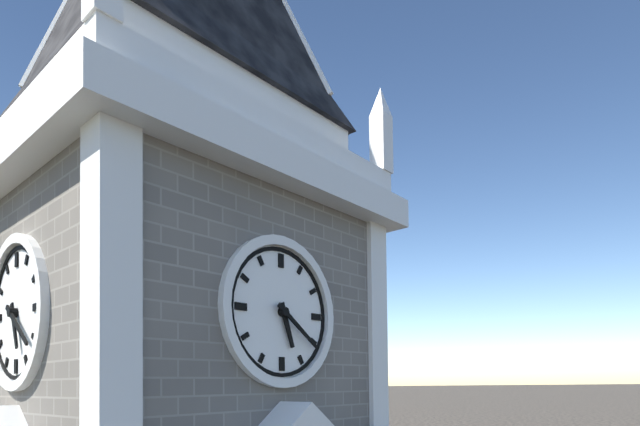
**5:21**
